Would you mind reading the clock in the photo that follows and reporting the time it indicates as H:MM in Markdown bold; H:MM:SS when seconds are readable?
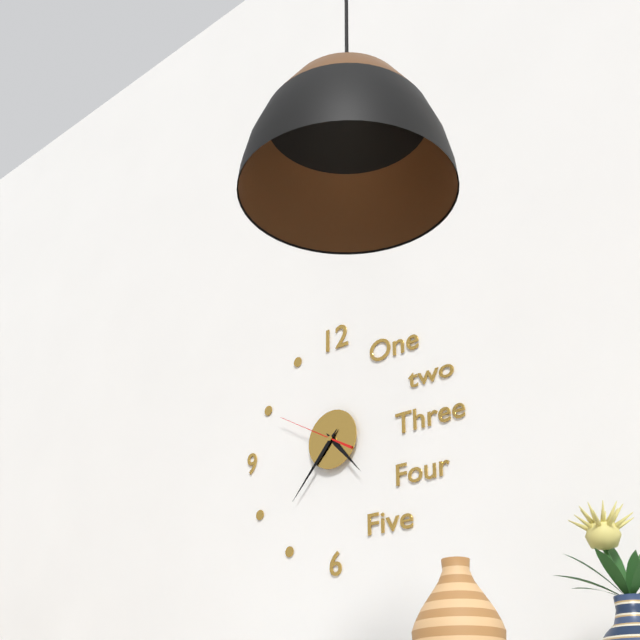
**4:37:50**
